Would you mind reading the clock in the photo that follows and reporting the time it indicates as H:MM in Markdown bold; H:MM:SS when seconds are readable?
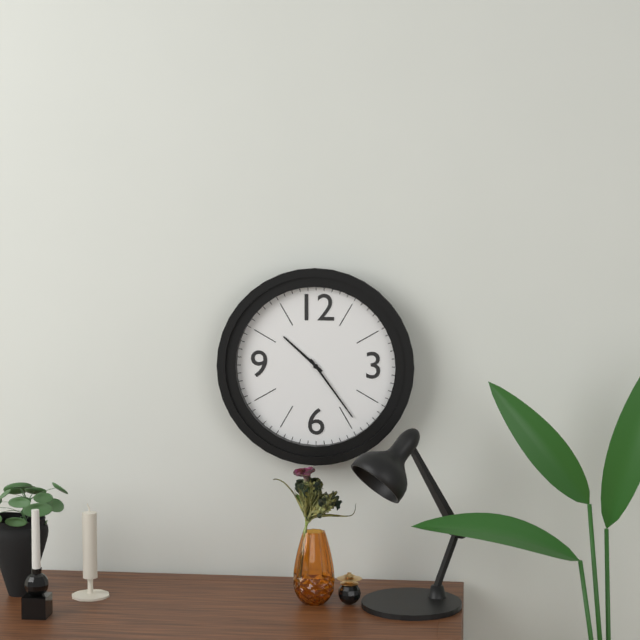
**10:24**
